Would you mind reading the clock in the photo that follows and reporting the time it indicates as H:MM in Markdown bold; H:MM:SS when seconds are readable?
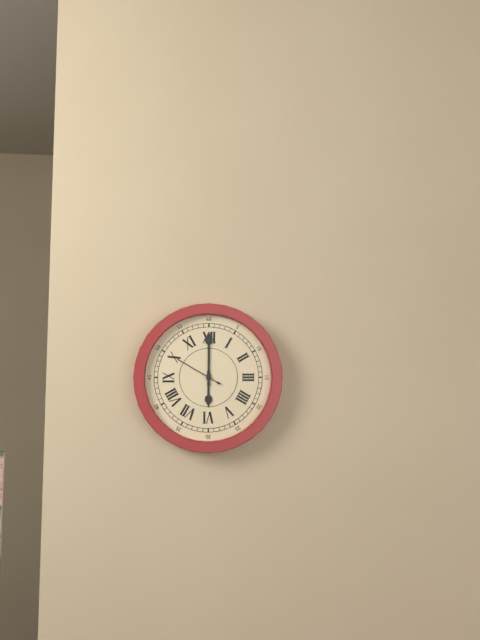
**6:00**
